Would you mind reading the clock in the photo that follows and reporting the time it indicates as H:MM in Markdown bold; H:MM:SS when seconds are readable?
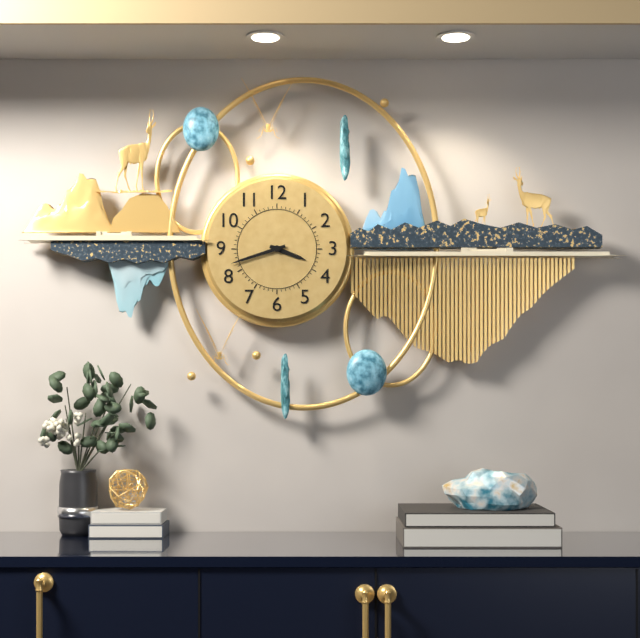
**3:42**
